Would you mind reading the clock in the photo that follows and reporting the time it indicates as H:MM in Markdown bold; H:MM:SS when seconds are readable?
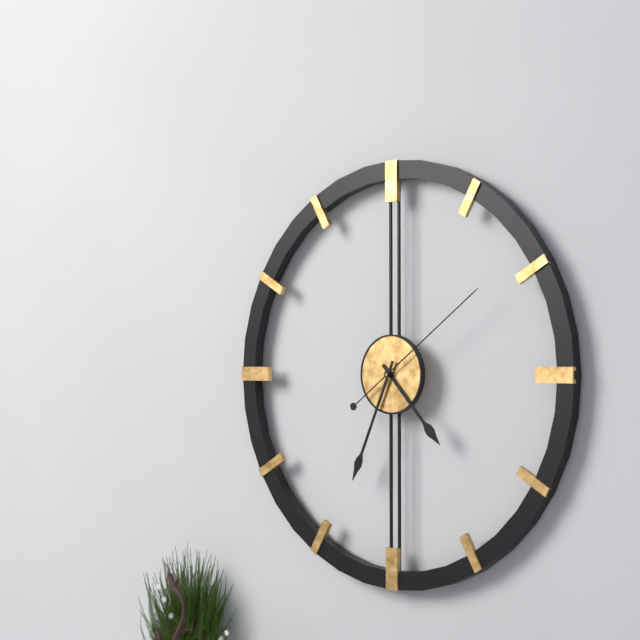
**4:34:09**
